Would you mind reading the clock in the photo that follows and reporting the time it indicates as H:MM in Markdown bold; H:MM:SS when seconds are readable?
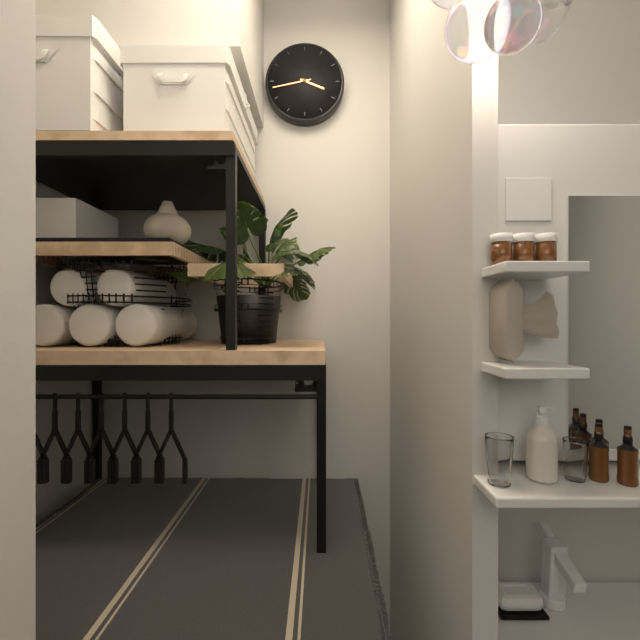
**3:43**
